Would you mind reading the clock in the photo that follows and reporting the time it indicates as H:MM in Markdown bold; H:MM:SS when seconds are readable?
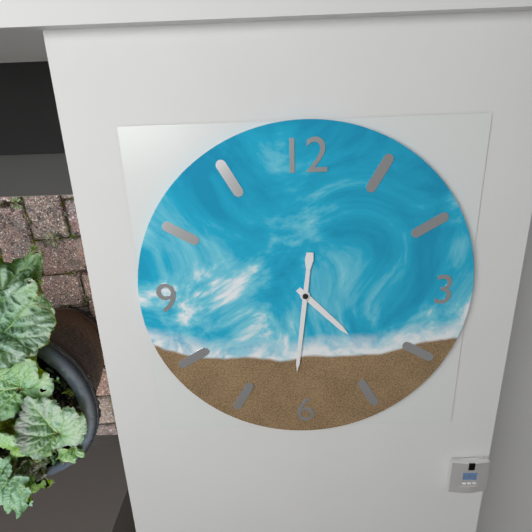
**4:31**
